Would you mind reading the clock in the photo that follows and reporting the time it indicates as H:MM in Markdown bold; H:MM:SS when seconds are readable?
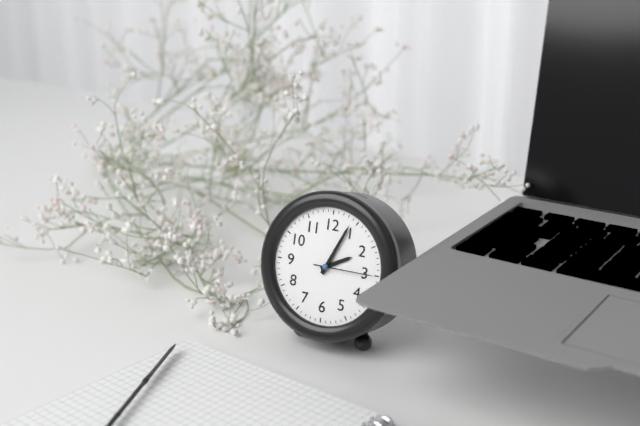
**2:04:15**
